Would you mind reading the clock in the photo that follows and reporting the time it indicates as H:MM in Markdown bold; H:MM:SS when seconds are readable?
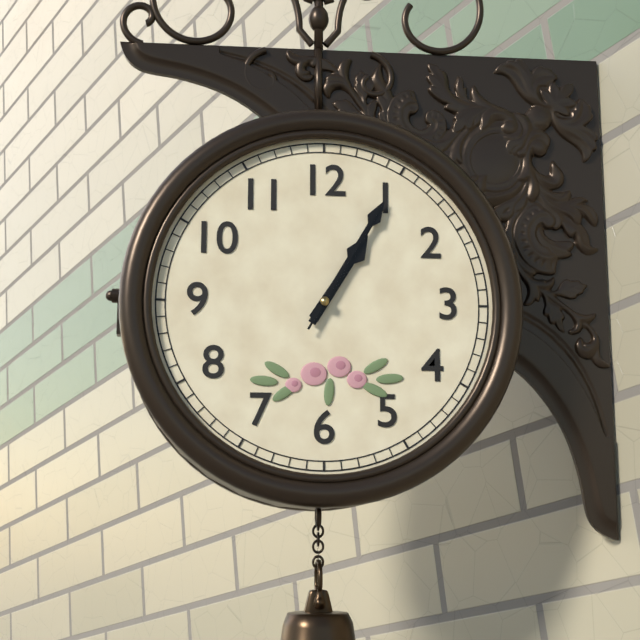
**1:05:05**
